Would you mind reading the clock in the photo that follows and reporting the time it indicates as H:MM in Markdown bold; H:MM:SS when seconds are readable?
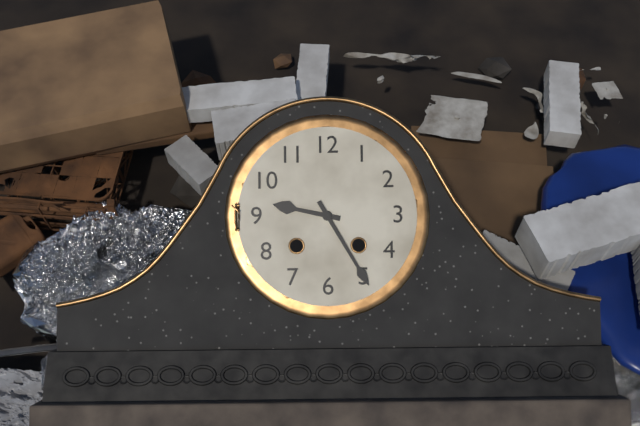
**9:25**
